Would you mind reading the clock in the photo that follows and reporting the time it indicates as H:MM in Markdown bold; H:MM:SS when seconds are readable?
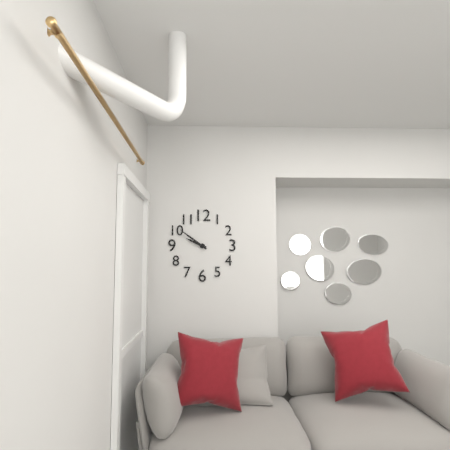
**9:51**
